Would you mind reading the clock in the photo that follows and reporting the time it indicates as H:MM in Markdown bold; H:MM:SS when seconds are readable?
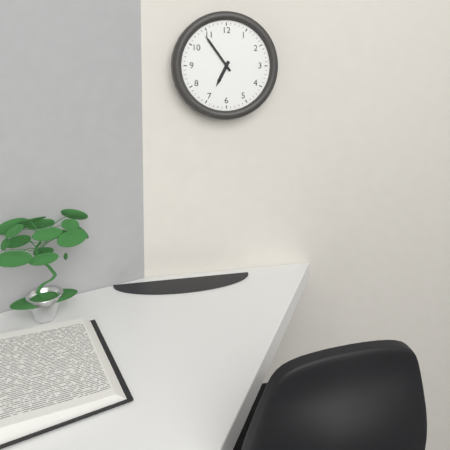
**6:54**
